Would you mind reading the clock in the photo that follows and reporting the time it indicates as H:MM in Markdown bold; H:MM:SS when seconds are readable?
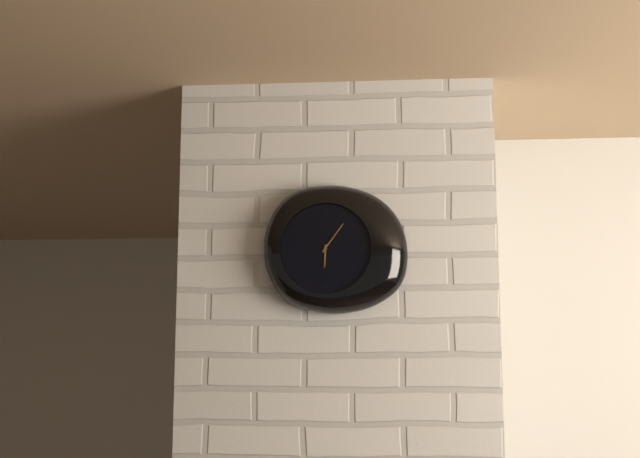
**6:06**
